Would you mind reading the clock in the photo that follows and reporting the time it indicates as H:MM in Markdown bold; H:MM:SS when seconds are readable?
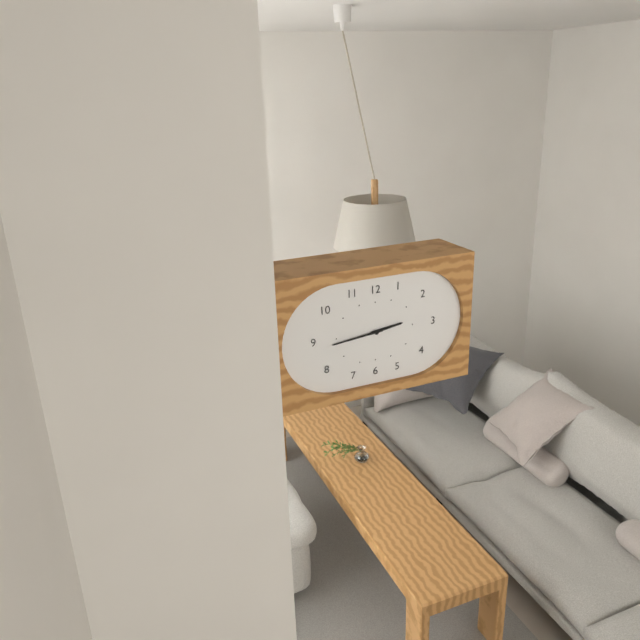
**2:44**
